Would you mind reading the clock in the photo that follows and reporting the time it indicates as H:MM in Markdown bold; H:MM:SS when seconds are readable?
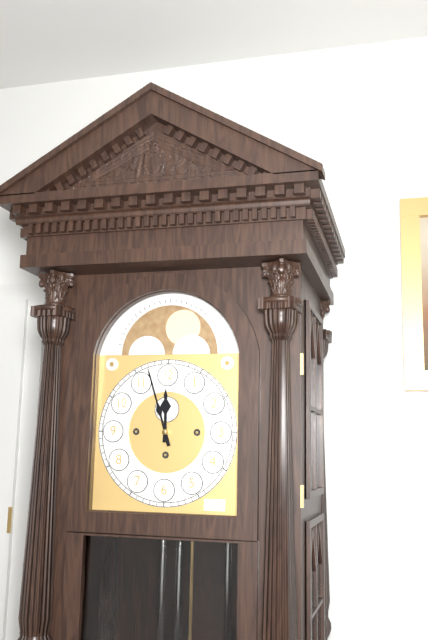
**11:57**
